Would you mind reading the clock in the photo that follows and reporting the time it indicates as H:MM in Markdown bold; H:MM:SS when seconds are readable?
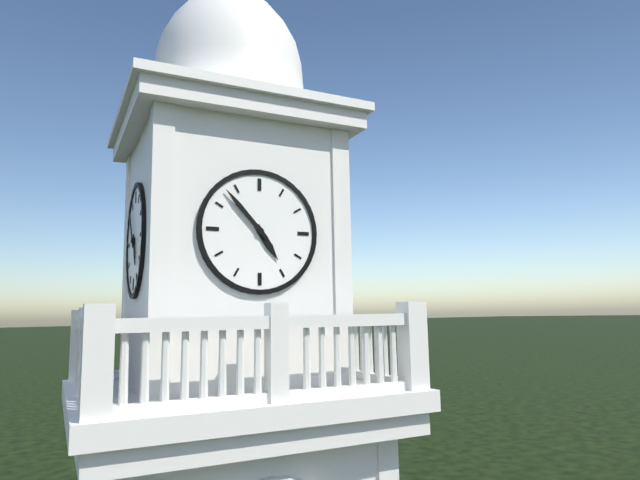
**4:53**
